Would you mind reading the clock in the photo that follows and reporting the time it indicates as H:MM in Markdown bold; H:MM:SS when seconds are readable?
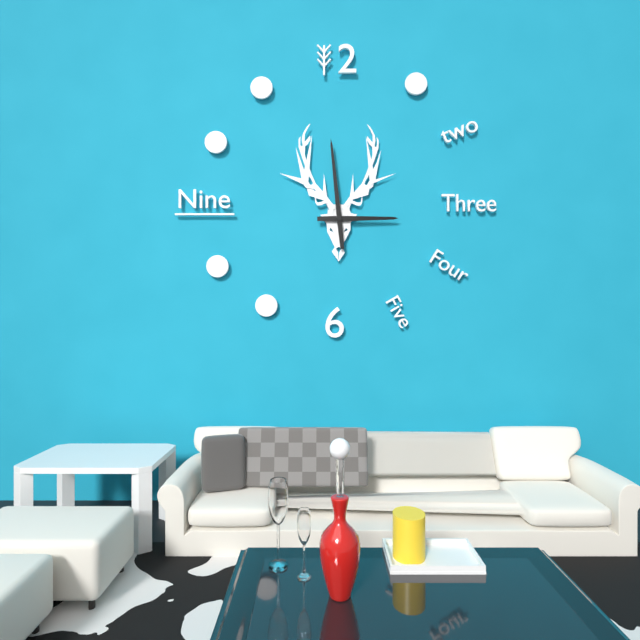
**2:59**
